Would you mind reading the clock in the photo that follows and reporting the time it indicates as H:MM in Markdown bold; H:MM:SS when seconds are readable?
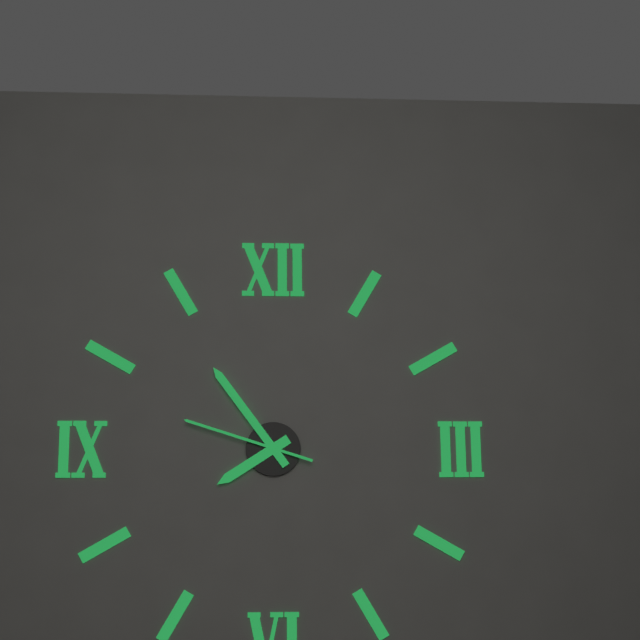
**7:54:48**
